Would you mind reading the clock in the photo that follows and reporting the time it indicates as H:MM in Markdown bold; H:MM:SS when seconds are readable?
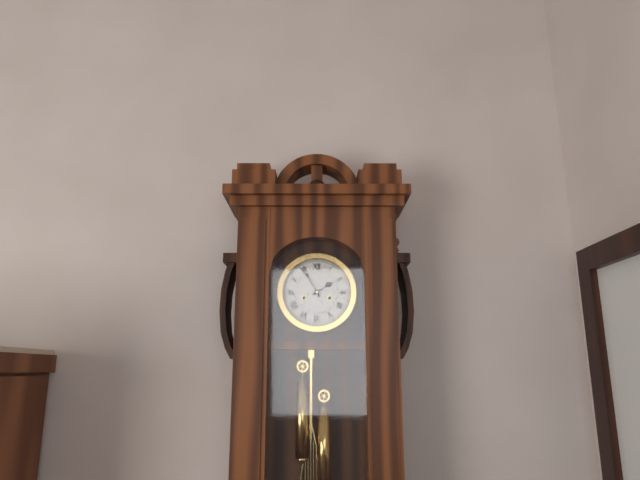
**1:55**
